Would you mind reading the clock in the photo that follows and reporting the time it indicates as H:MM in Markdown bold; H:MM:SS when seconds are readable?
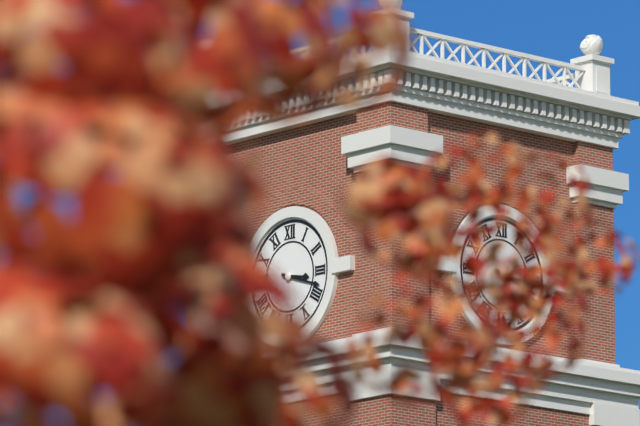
**3:18**
